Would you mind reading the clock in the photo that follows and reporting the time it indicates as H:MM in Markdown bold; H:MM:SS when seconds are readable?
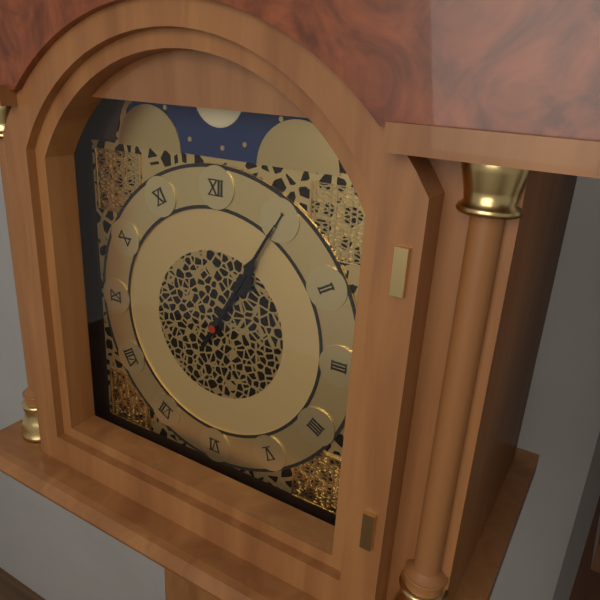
**1:05**
